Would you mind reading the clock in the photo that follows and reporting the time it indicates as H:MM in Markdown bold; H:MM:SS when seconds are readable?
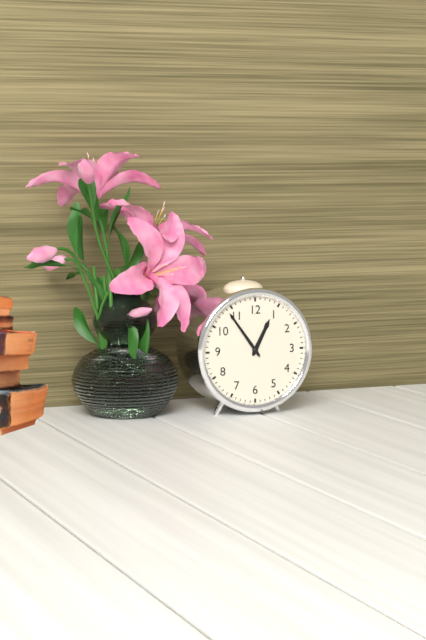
**12:54**
